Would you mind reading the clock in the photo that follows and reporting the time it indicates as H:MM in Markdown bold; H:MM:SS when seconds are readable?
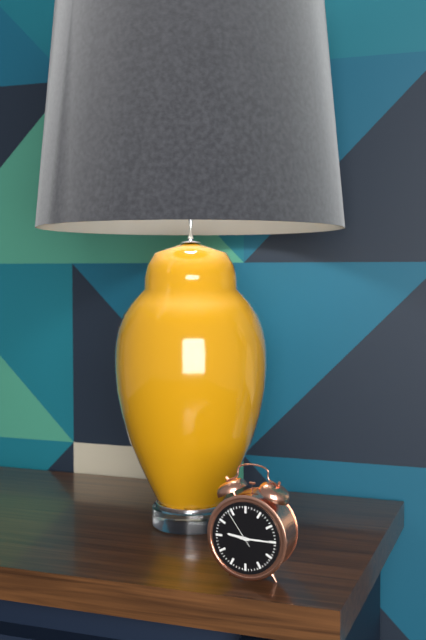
**9:15**
